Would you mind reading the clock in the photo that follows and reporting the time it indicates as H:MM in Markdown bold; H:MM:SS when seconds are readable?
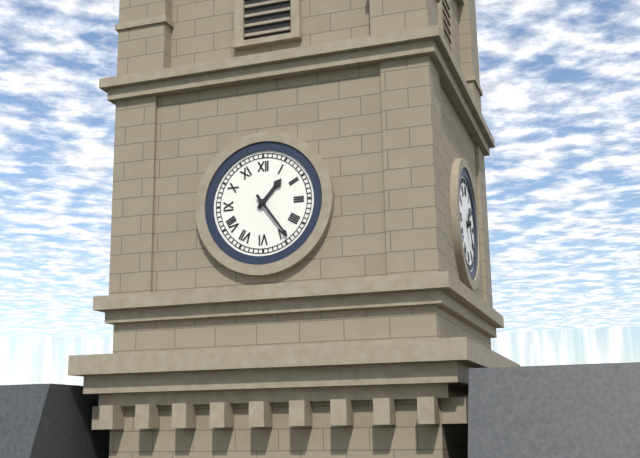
**1:24**
